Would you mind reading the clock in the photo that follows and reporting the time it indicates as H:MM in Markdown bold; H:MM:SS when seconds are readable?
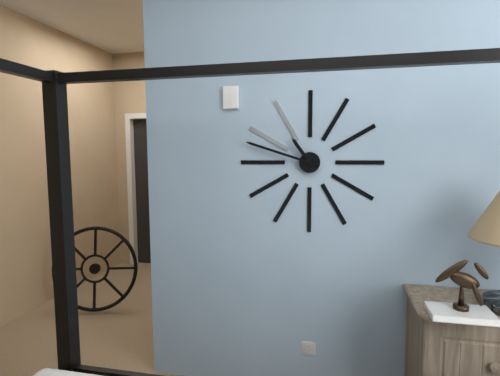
**10:48**
